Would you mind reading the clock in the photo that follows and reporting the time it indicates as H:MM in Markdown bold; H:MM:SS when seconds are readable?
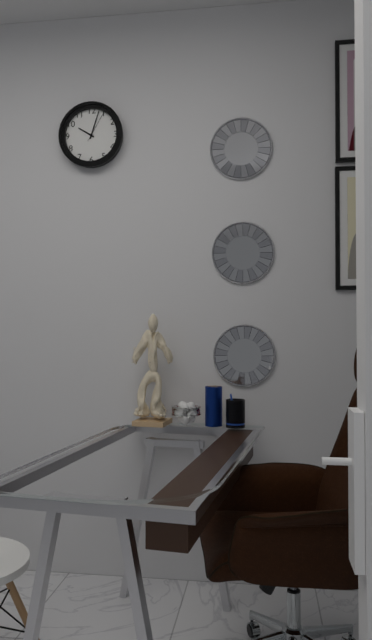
**10:03**
